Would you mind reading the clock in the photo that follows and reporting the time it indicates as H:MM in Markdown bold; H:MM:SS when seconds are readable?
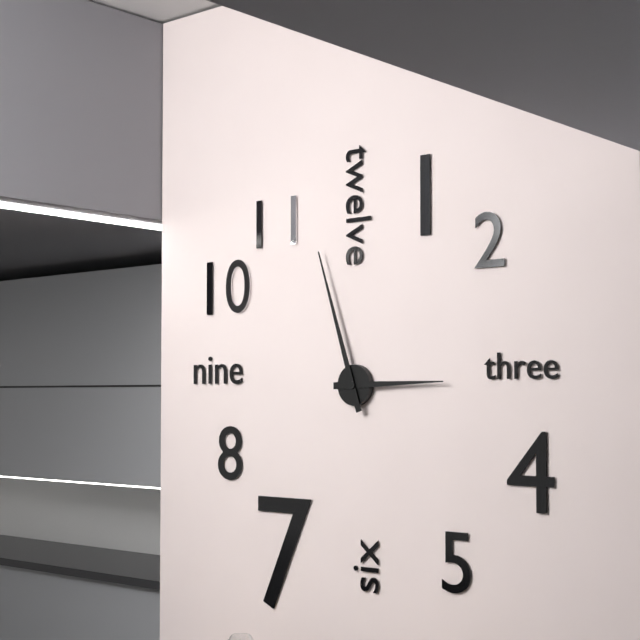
**2:57**
